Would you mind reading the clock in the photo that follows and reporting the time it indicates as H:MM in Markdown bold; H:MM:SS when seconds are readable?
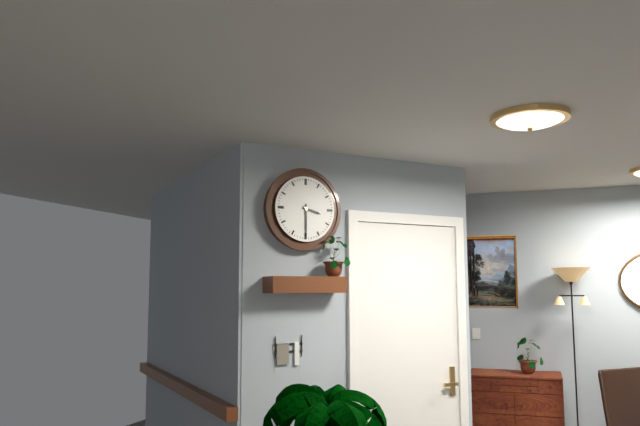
**3:30**
